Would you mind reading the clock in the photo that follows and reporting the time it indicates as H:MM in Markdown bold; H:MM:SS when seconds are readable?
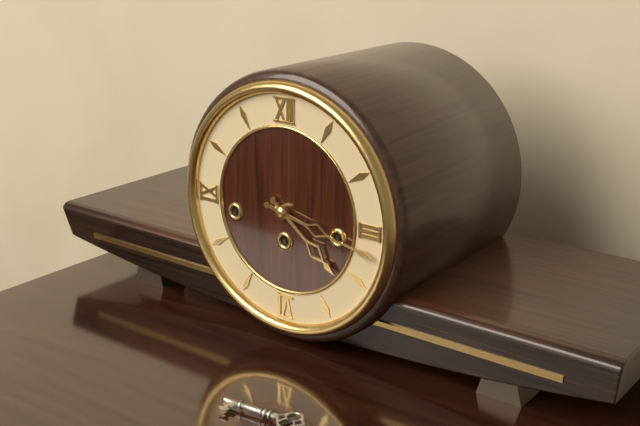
**4:17**
